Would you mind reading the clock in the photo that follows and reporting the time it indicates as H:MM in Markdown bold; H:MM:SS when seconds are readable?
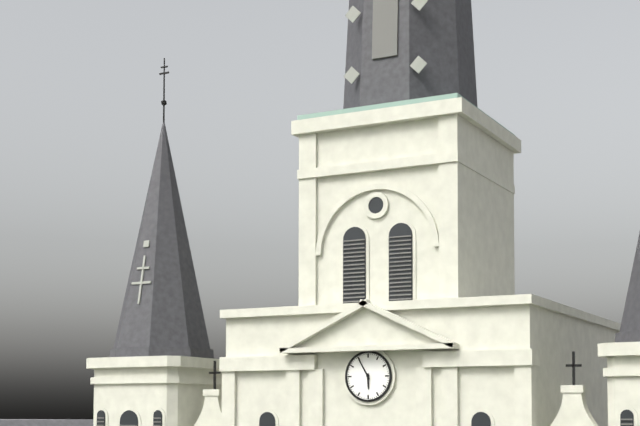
**5:55**
